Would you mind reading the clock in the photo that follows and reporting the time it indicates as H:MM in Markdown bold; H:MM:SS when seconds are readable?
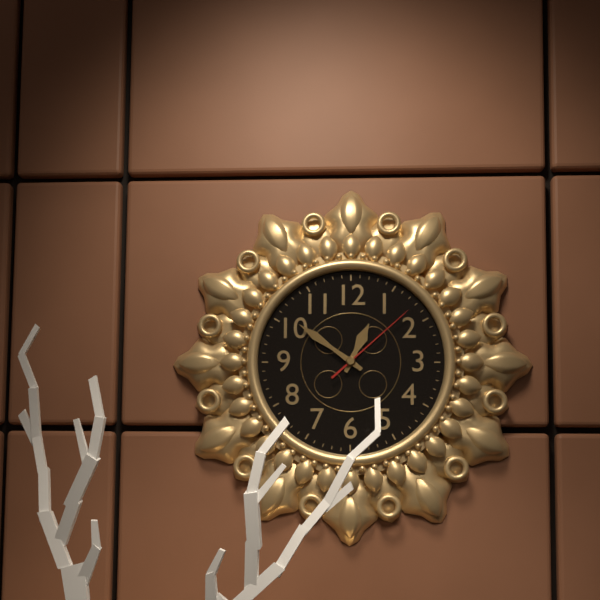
**12:51:08**
